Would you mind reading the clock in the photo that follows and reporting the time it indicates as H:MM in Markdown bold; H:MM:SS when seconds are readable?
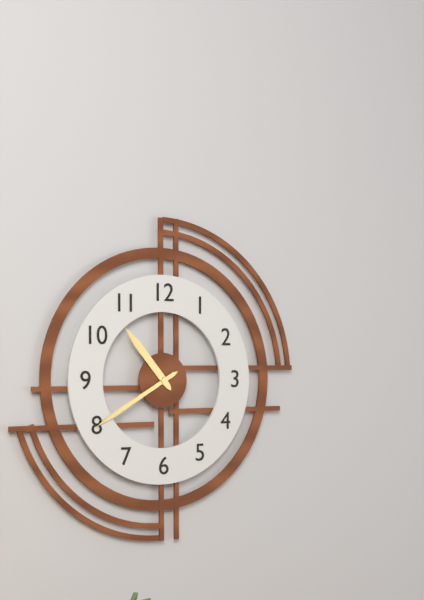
**10:40**
